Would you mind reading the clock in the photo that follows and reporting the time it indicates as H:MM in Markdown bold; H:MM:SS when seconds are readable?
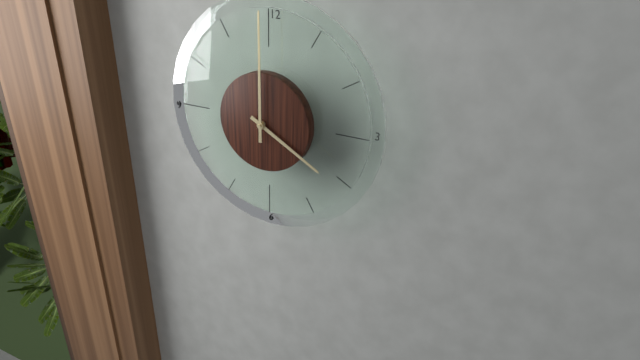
**4:00**
